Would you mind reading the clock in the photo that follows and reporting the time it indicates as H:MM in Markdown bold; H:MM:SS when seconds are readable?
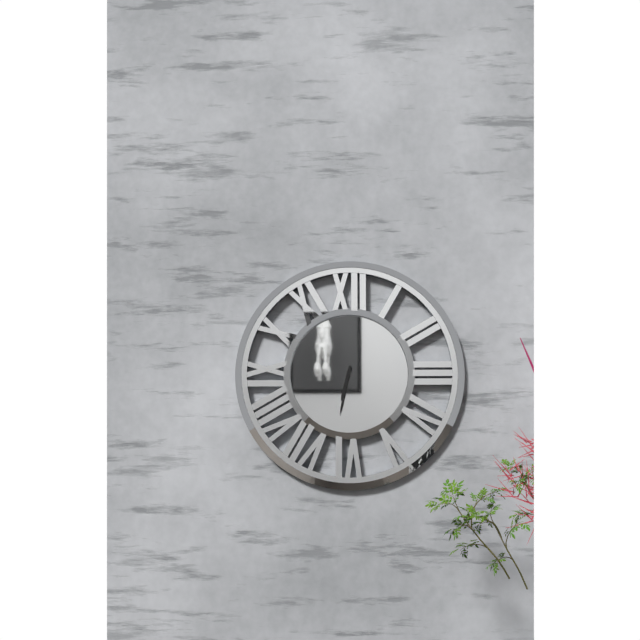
**6:32**
